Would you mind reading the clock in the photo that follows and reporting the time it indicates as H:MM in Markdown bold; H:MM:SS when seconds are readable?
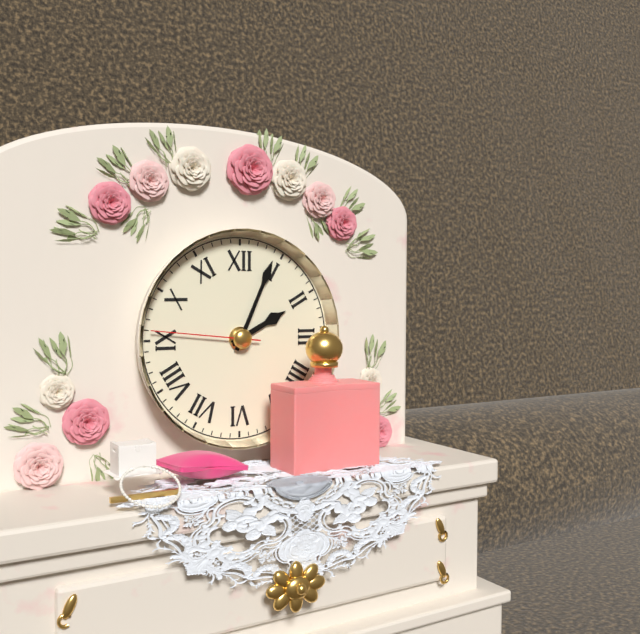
**2:04:46**
